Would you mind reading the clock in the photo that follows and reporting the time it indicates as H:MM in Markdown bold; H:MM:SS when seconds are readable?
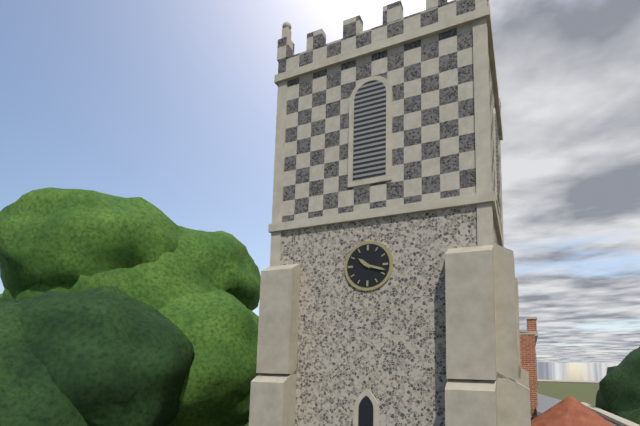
**10:18**
